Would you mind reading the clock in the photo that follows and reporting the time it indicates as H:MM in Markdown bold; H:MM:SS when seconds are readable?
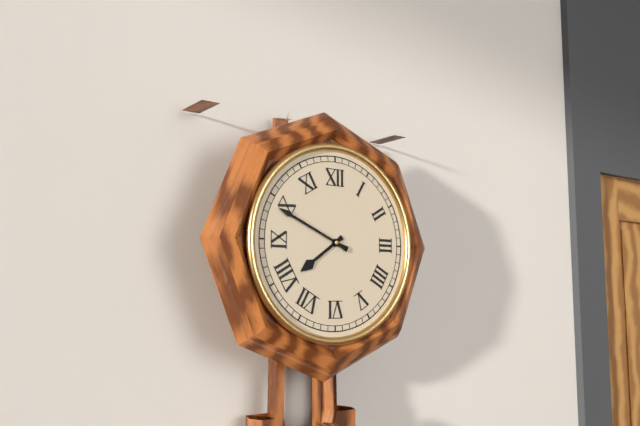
**7:49**
